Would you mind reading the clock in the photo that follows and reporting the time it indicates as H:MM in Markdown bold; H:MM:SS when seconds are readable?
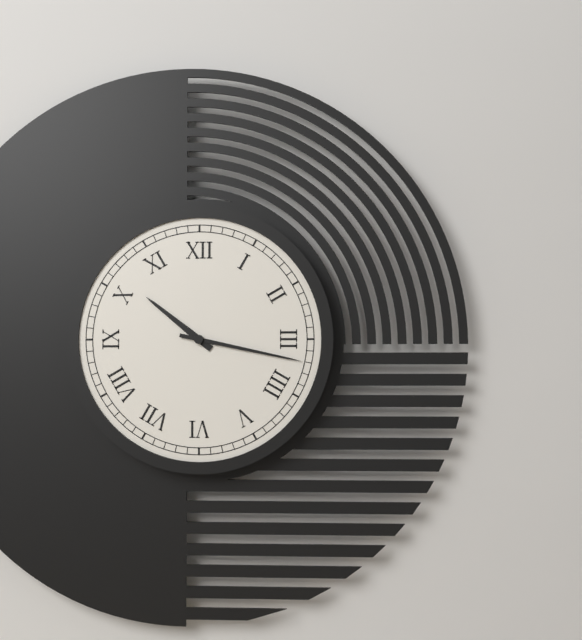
**10:17**
